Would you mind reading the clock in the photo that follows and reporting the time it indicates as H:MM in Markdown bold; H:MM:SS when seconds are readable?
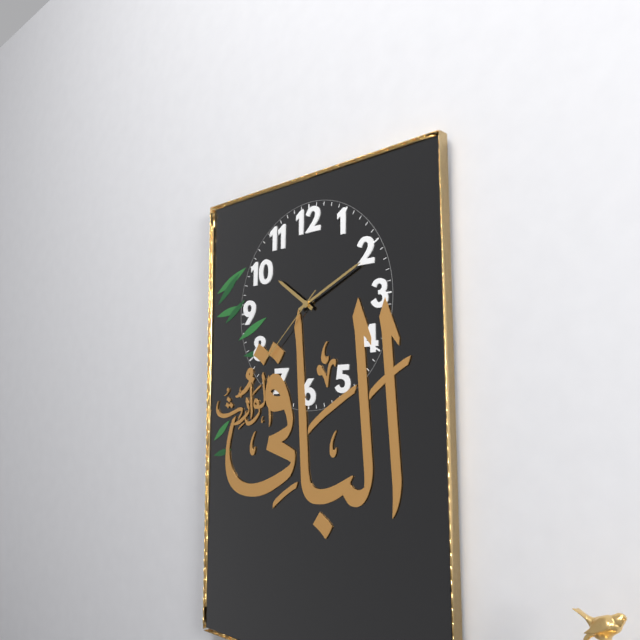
**10:11:38**
